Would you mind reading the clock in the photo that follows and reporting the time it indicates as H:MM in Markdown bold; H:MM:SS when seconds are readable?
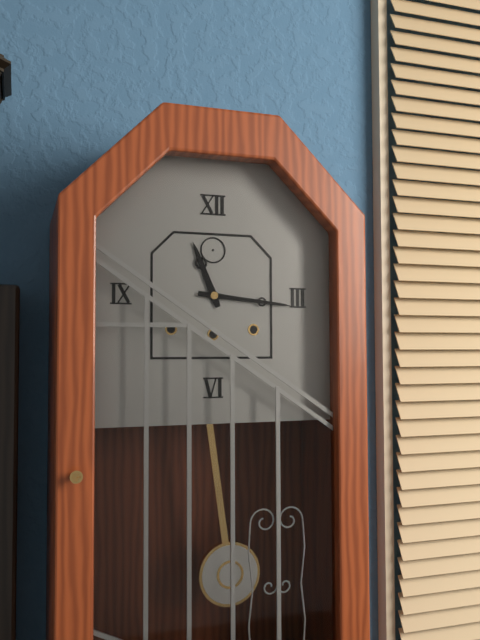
**11:16**
